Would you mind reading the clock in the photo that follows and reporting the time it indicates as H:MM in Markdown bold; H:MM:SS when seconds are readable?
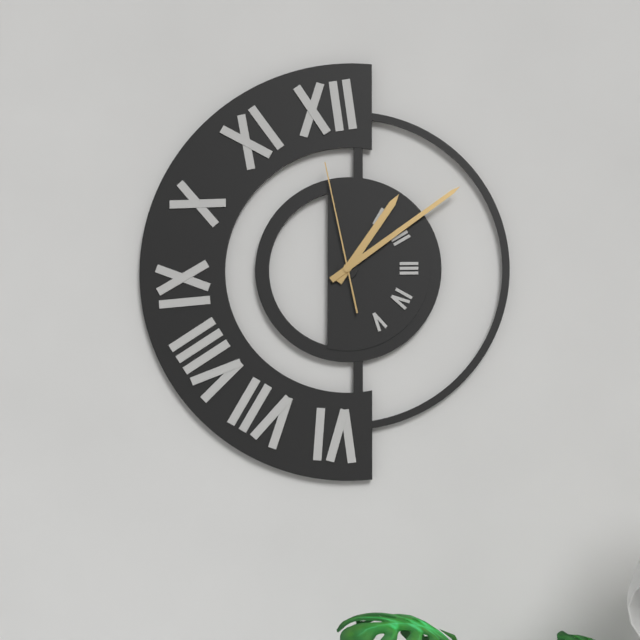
**1:09:58**
